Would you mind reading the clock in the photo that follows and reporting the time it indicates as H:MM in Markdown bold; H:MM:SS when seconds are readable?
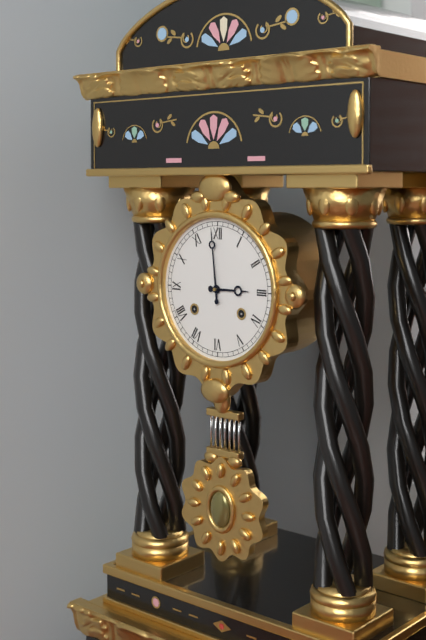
**2:59**
